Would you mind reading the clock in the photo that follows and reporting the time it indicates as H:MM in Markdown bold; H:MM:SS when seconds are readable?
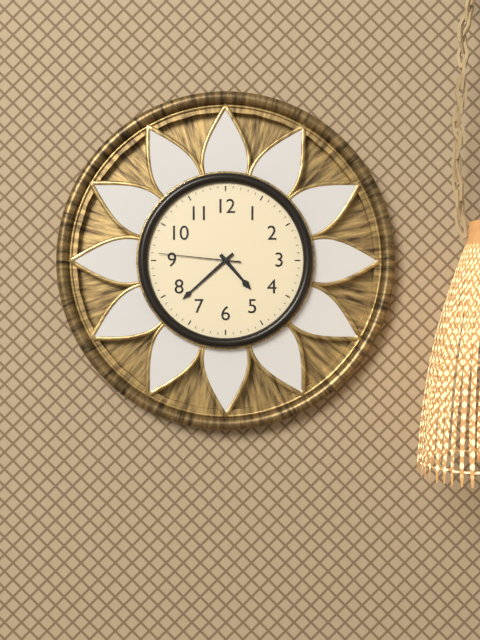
**4:38:46**
